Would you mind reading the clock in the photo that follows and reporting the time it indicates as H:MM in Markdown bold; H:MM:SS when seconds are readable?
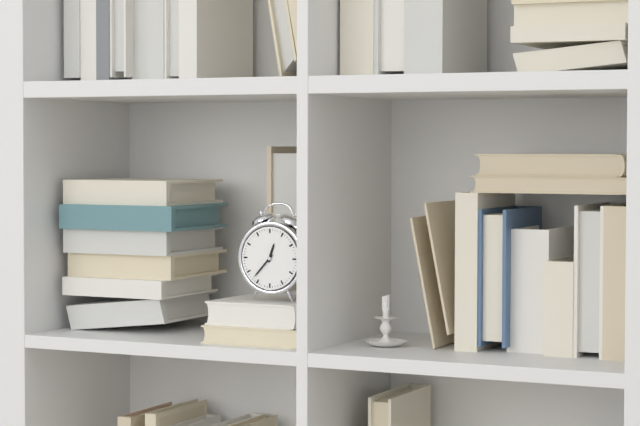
**12:37**
